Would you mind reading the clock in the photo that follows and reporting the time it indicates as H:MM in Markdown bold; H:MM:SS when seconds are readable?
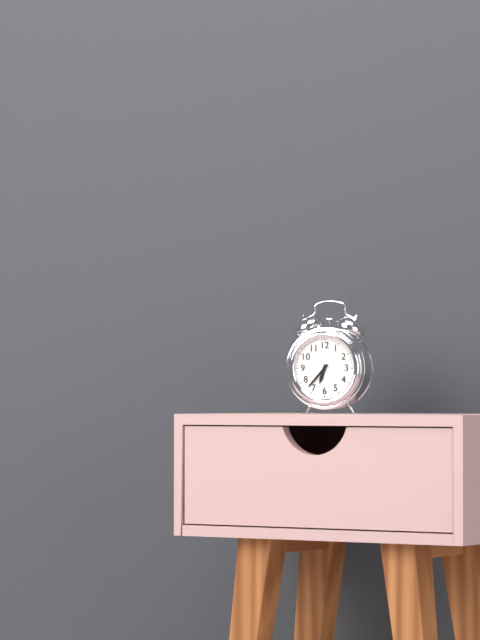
**6:37**
